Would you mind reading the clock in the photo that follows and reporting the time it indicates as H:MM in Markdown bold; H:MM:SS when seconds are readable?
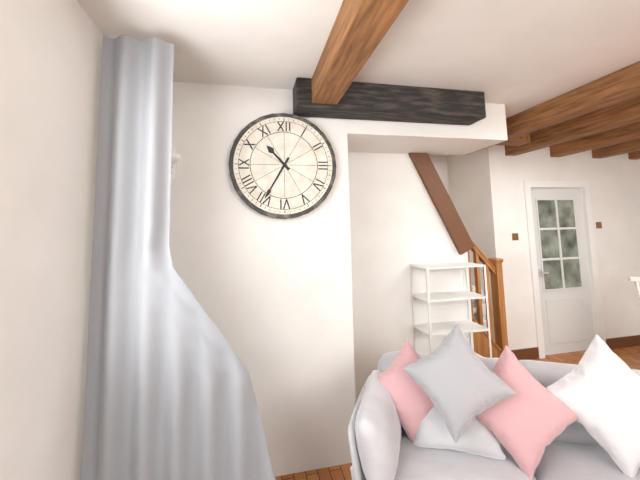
**10:35**
